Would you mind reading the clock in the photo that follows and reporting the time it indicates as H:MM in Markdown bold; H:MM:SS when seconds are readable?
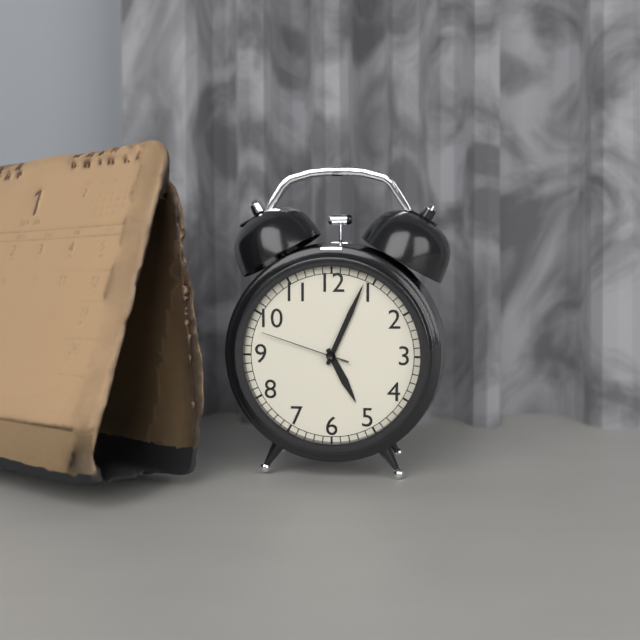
**5:04:48**
